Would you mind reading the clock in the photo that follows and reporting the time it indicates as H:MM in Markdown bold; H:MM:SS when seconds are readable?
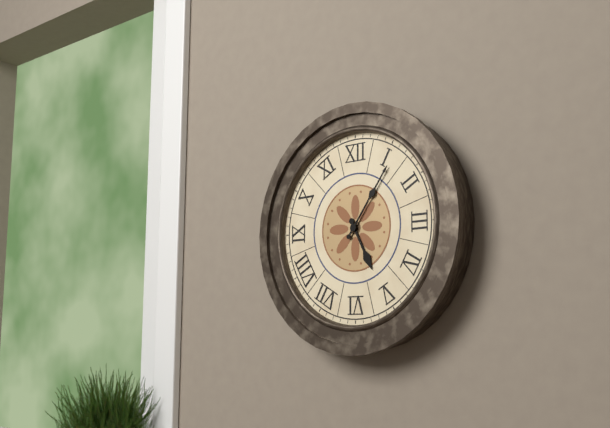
**5:06**
